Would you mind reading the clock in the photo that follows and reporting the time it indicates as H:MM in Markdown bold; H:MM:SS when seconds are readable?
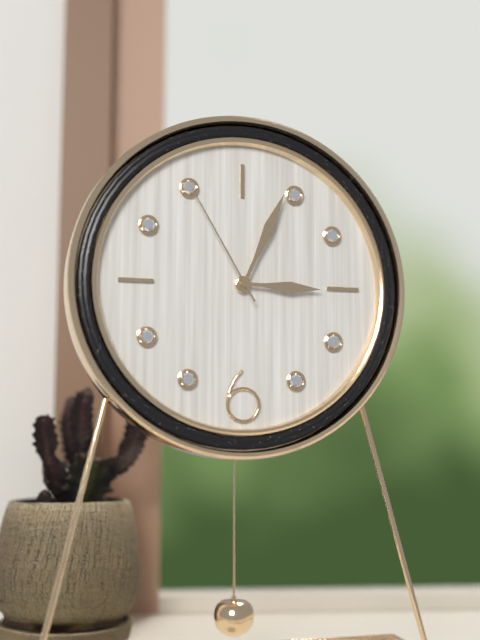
**3:04:55**
